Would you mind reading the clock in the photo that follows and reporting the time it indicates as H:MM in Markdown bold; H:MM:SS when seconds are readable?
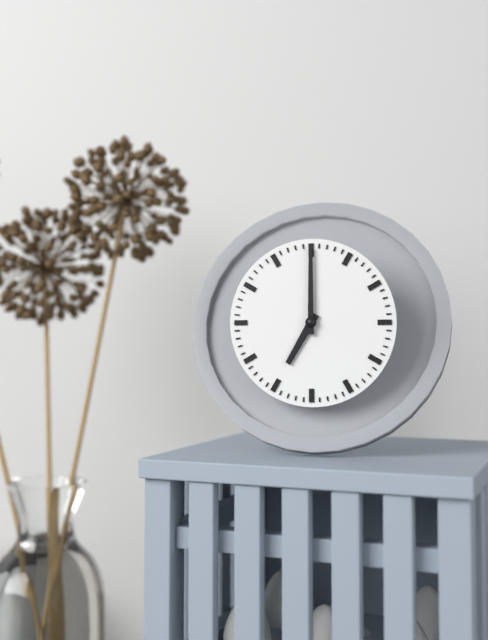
**7:00**
